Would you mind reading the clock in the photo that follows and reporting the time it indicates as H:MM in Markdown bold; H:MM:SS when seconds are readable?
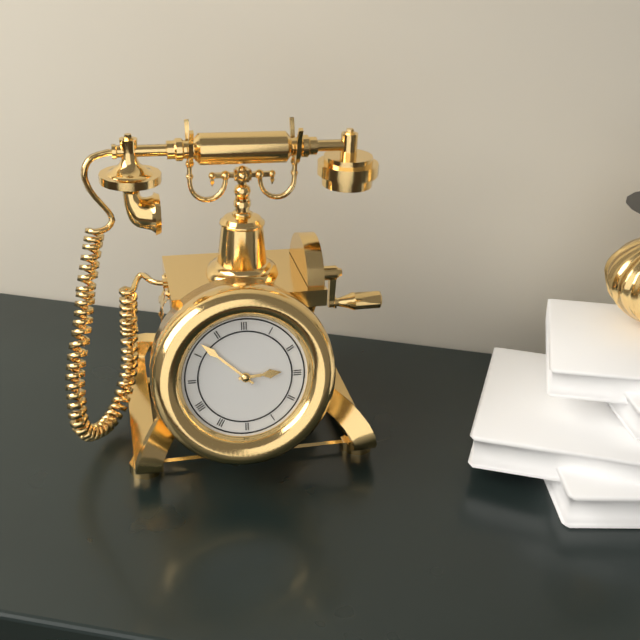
**2:52**
